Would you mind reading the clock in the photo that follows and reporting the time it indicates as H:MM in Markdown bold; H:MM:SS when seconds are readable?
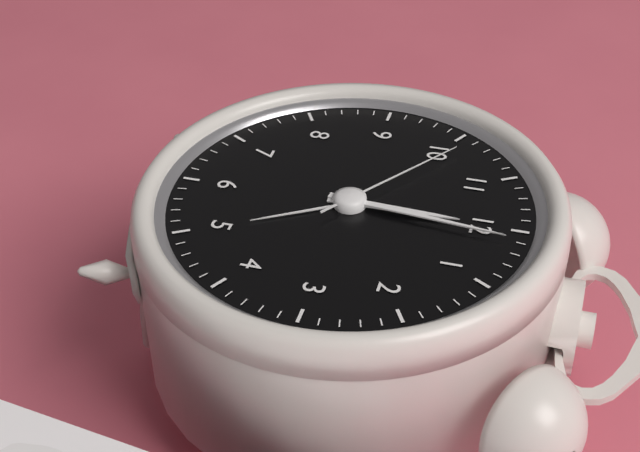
**12:01:51**
